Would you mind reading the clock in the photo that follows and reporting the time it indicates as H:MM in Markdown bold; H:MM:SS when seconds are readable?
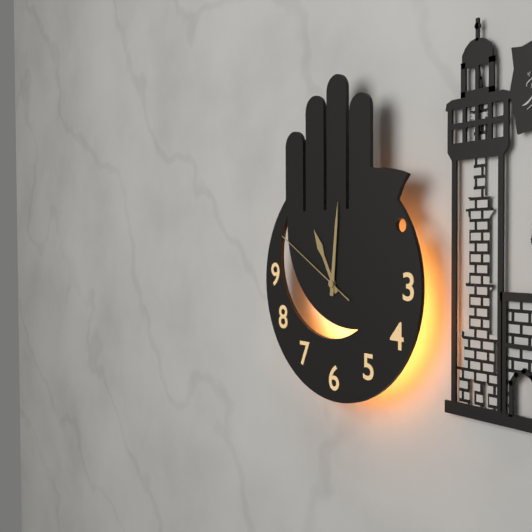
**11:01:50**
